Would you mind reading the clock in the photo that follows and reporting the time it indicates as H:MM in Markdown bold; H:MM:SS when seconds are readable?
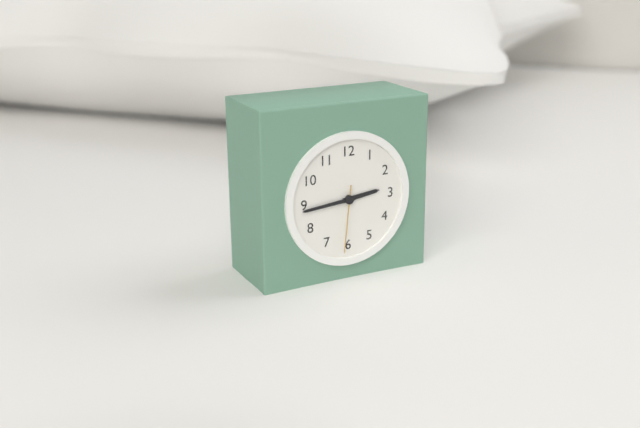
**2:44:31**
